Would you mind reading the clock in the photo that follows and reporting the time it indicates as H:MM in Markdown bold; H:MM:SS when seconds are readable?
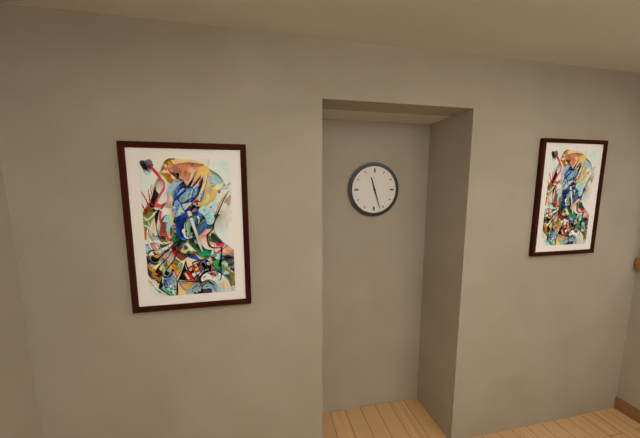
**11:27**
